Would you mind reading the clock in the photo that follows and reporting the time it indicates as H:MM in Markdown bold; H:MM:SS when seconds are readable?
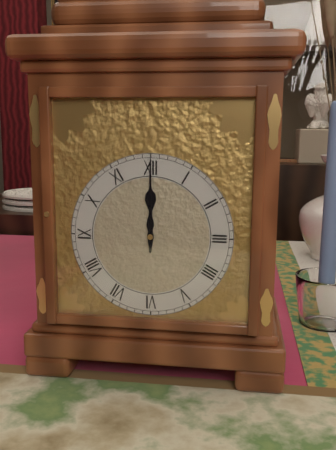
**12:00**
